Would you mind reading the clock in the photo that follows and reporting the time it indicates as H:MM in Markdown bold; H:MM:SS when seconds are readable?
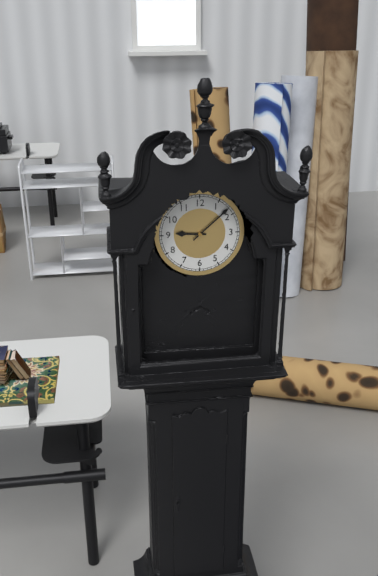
**9:08**
